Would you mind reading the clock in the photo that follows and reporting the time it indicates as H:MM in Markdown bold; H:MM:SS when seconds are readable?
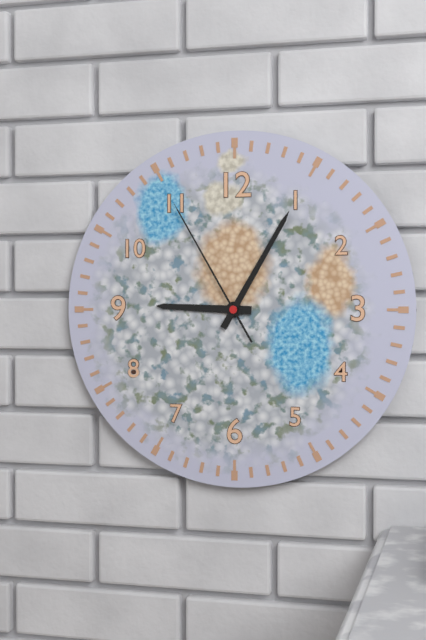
**9:05:55**
